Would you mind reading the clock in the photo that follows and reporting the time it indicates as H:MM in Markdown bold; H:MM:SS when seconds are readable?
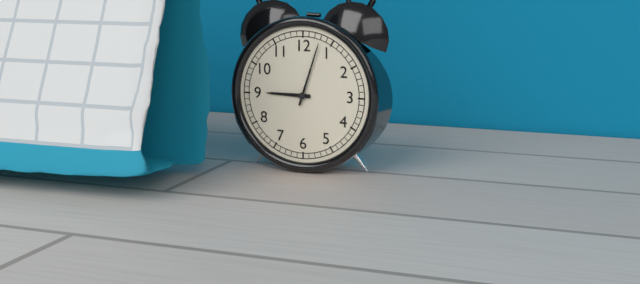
**9:03**
